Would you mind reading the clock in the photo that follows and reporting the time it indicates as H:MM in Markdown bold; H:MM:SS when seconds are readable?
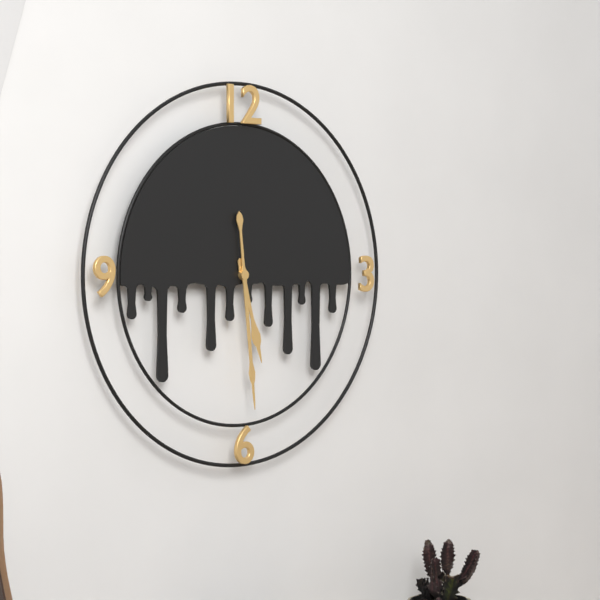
**5:29**
